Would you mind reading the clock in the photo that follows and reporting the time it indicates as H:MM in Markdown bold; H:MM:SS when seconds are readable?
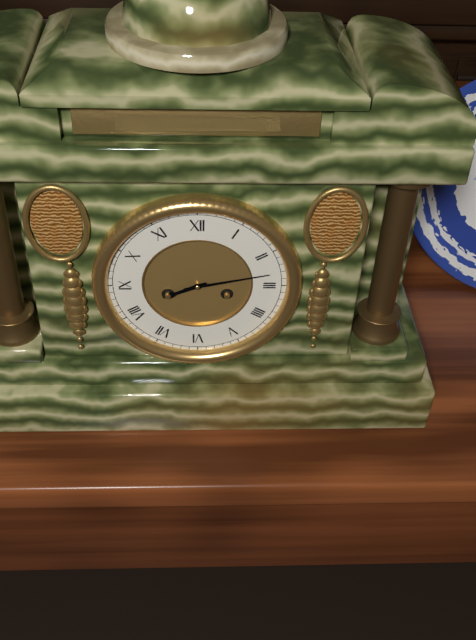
**8:13**
